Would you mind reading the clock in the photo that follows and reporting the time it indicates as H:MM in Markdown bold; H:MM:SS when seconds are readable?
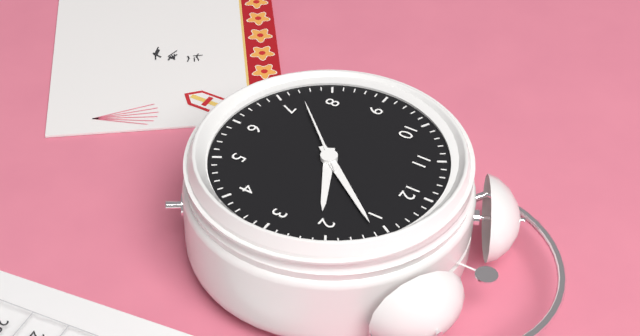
**2:06:37**
